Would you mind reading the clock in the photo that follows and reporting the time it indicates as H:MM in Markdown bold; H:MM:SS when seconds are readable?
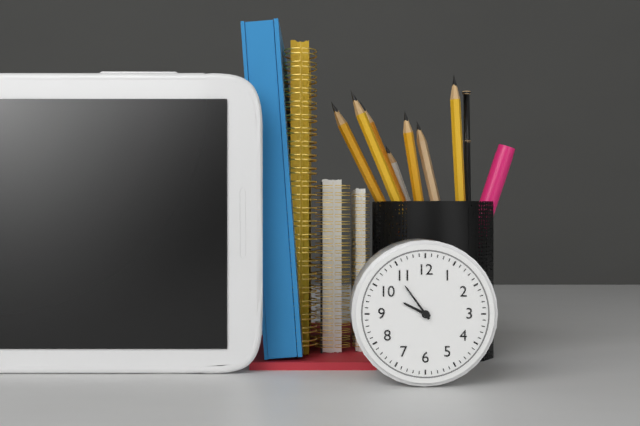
**9:54**
